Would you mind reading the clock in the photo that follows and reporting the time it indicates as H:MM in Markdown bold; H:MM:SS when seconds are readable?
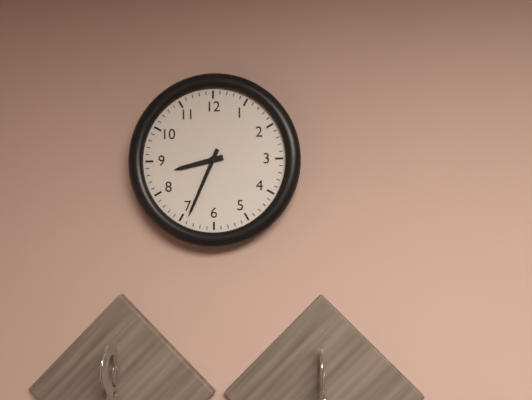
**8:34**
